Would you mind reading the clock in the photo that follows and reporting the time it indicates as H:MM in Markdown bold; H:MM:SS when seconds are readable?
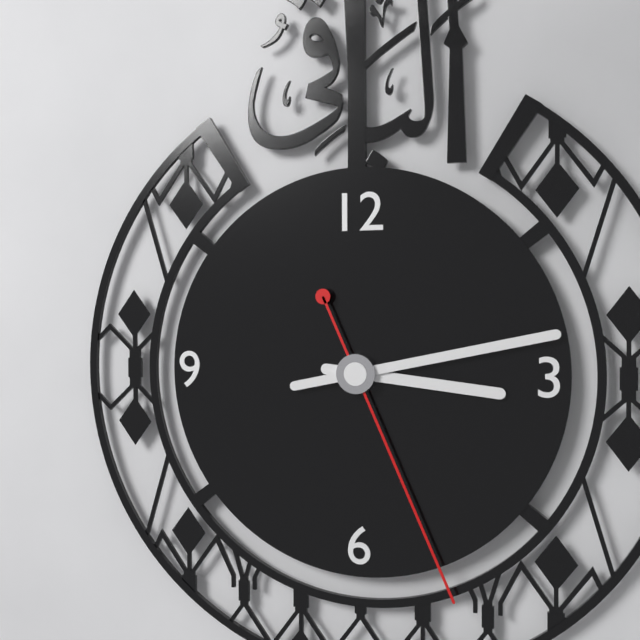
**3:13:26**
